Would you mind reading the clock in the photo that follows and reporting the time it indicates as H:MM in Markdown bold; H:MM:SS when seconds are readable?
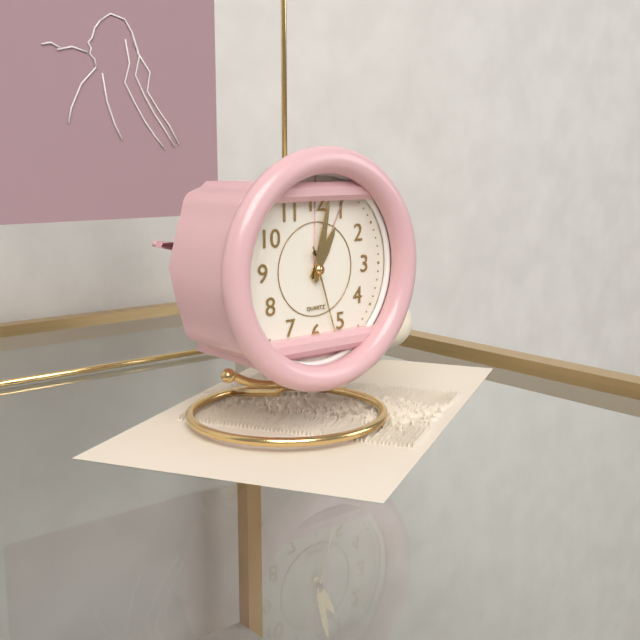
**1:02:27**
